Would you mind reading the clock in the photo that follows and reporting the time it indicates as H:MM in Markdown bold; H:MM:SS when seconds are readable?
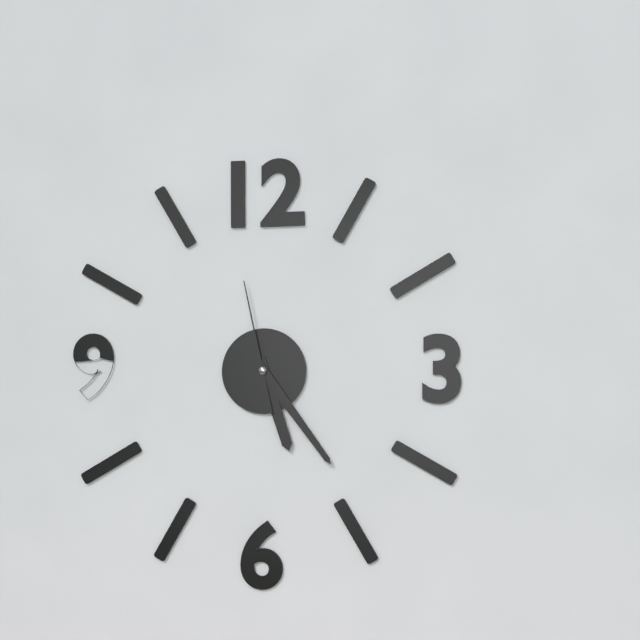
**5:24:58**
